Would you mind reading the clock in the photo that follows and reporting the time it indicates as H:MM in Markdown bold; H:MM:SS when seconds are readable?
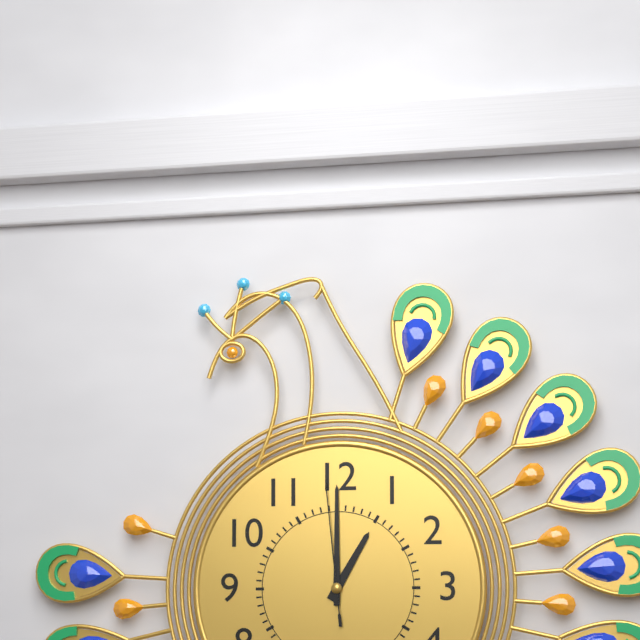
**1:00:59**
